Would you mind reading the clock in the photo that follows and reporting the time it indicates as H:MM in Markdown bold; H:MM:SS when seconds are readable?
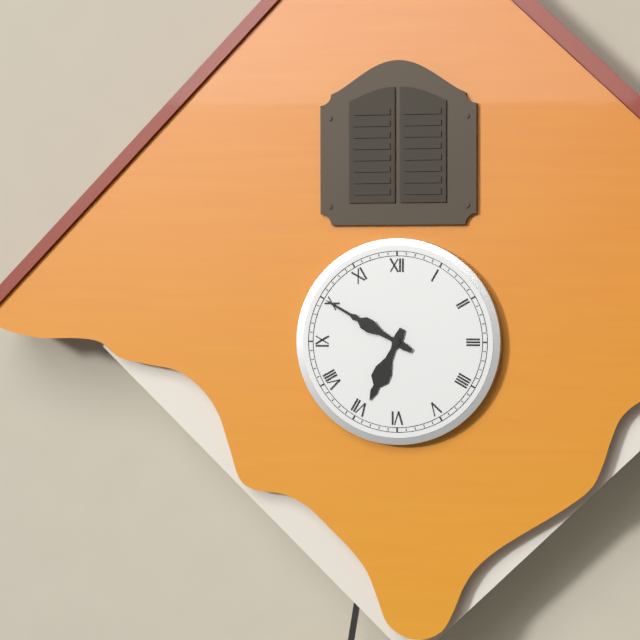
**6:50**
